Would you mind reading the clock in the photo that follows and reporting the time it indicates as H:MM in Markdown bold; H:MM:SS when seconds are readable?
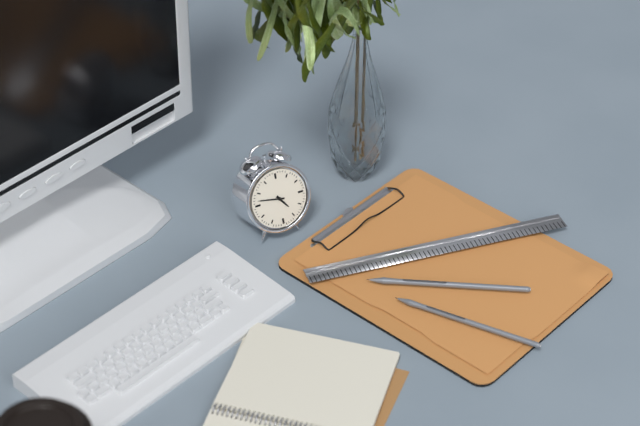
**4:47**
